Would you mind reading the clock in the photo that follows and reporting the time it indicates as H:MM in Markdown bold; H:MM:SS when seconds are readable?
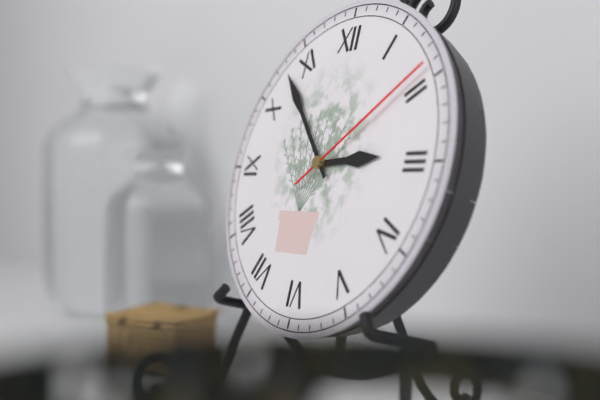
**2:53:09**
